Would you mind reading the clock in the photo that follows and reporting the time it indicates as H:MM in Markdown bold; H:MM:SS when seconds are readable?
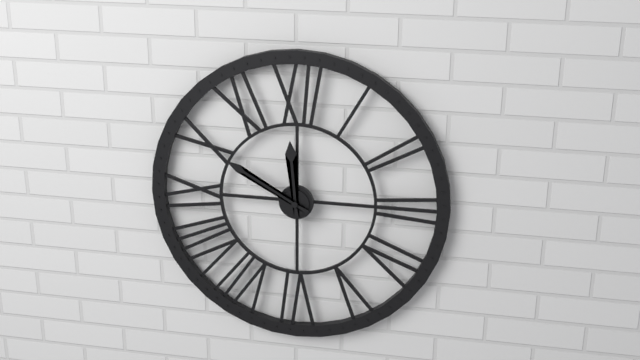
**11:50**
